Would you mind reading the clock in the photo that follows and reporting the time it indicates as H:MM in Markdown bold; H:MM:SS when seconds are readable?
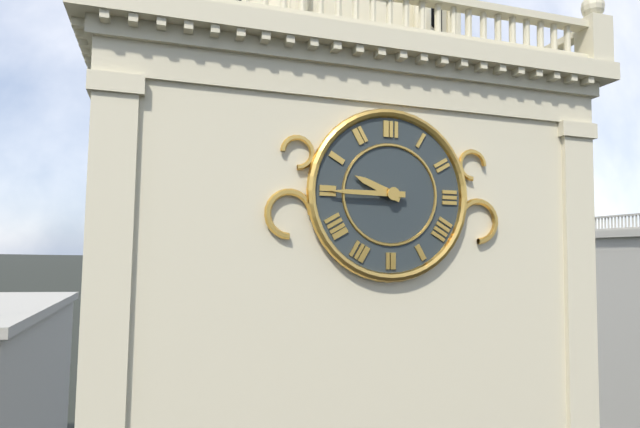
**9:45**
